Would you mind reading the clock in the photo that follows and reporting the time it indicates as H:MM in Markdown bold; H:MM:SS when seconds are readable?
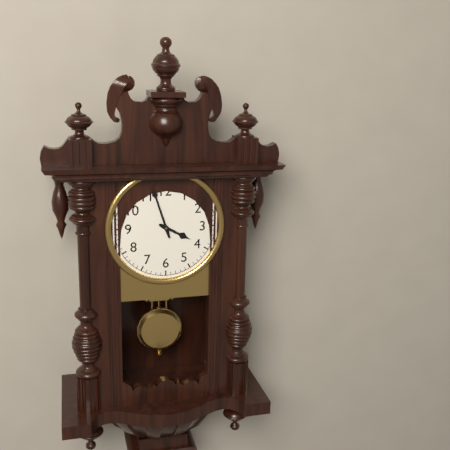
**3:57**
